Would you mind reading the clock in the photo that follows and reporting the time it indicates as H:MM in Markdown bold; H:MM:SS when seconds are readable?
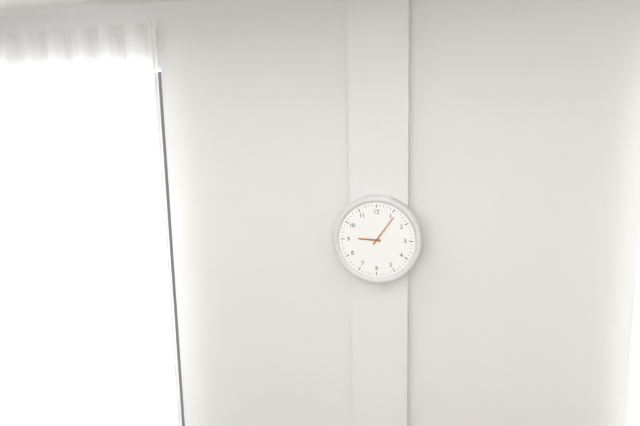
**9:06**
